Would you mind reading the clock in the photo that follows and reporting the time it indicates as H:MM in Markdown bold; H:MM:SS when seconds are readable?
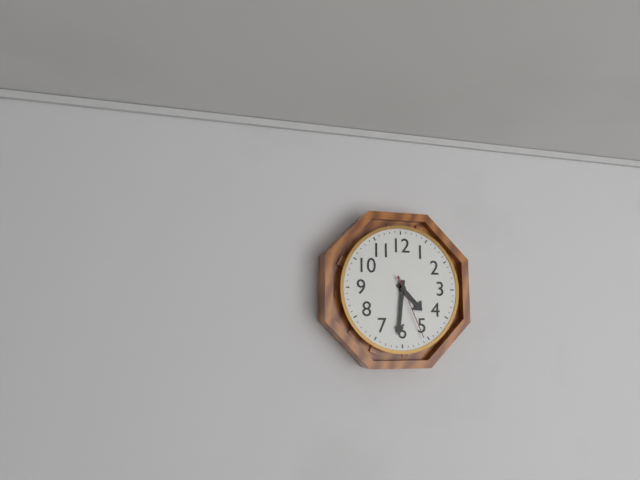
**4:31:26**
